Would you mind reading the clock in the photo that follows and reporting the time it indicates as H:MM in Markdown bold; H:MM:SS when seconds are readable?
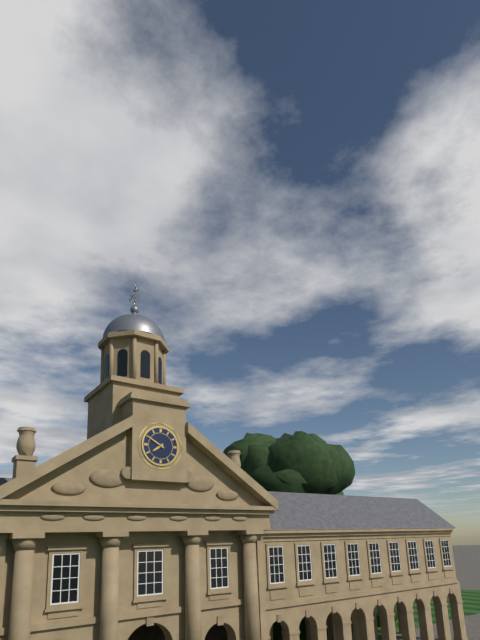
**7:50**
